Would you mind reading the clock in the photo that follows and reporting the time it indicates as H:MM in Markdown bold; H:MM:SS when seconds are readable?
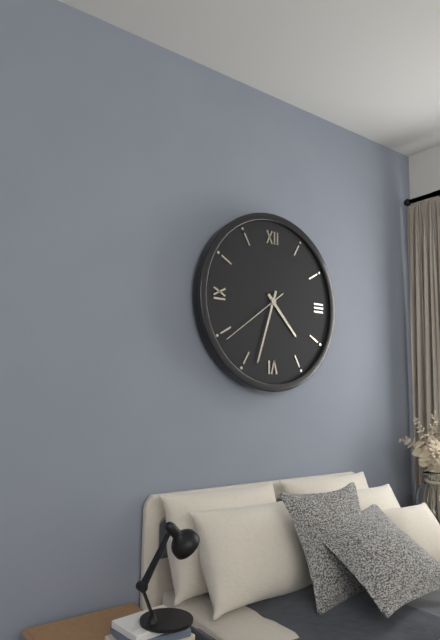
**4:33:39**
